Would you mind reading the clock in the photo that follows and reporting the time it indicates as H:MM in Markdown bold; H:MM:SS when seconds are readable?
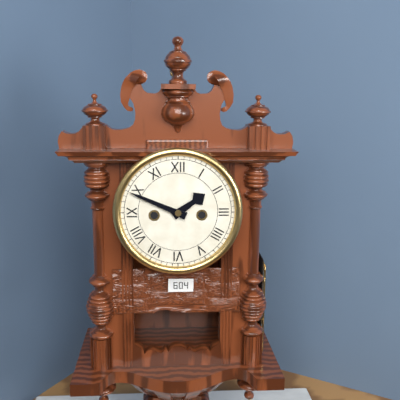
**1:49**
